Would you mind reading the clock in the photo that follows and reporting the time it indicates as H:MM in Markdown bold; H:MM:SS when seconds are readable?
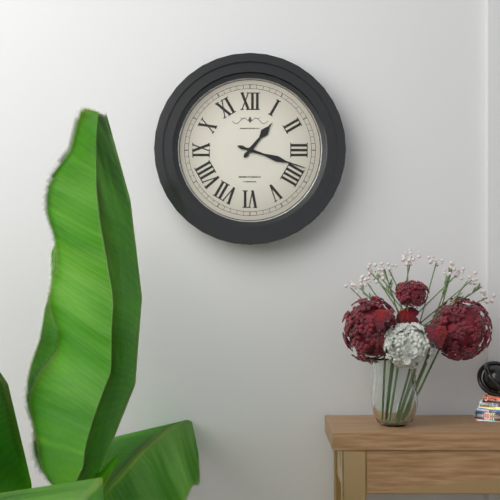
**1:18**
